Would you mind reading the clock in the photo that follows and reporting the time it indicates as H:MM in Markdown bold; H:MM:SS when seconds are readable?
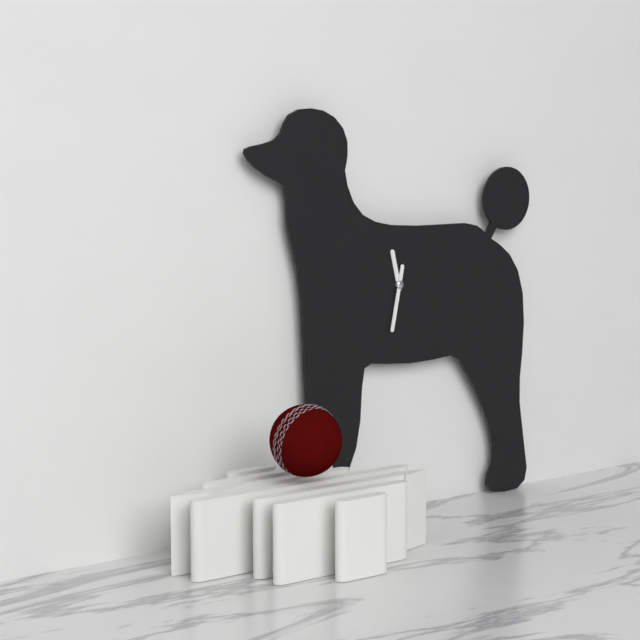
**11:32**
